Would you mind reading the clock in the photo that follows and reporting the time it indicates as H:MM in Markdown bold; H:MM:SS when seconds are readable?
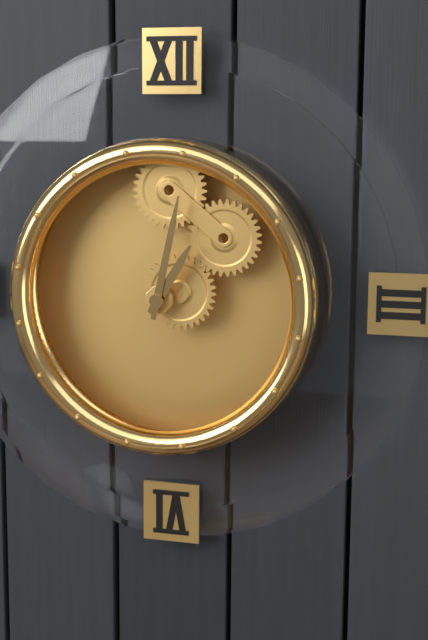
**1:02**
